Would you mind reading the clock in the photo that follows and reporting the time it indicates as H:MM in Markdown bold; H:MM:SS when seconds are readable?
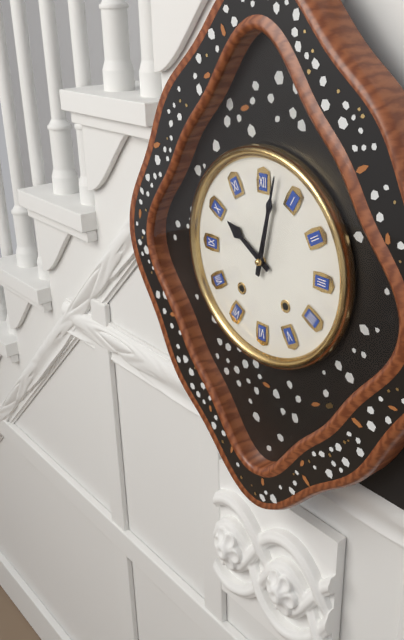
**10:02**
